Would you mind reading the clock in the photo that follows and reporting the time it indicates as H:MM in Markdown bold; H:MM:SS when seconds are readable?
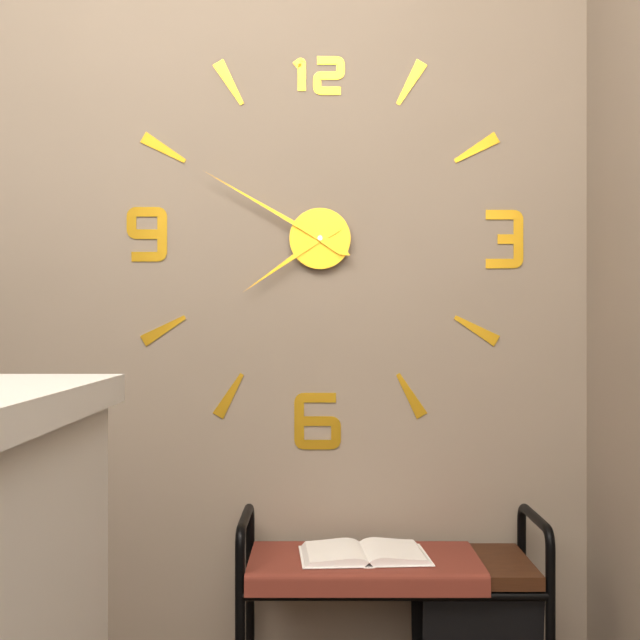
**7:50**
